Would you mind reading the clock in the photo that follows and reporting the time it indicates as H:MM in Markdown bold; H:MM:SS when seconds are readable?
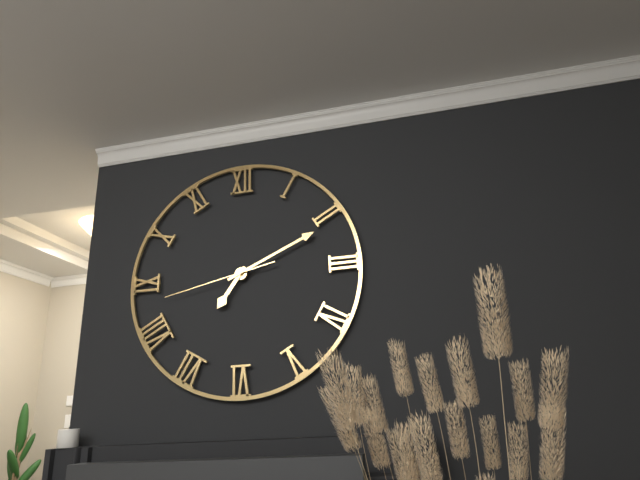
**7:11:43**
